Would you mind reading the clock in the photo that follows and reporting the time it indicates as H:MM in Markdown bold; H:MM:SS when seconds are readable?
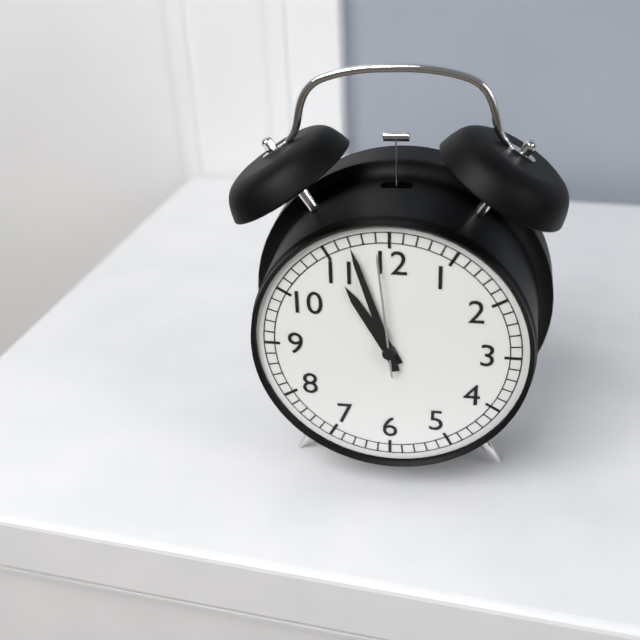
**10:57:59**
